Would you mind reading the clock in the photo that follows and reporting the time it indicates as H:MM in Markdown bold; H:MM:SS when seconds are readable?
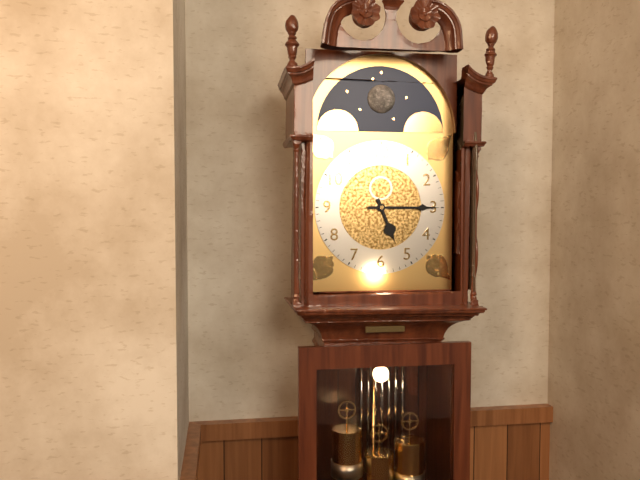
**5:15**
